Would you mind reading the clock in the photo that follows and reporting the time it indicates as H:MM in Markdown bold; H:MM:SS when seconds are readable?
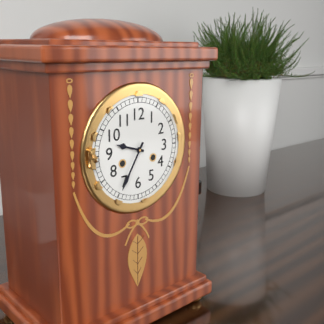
**9:35**
